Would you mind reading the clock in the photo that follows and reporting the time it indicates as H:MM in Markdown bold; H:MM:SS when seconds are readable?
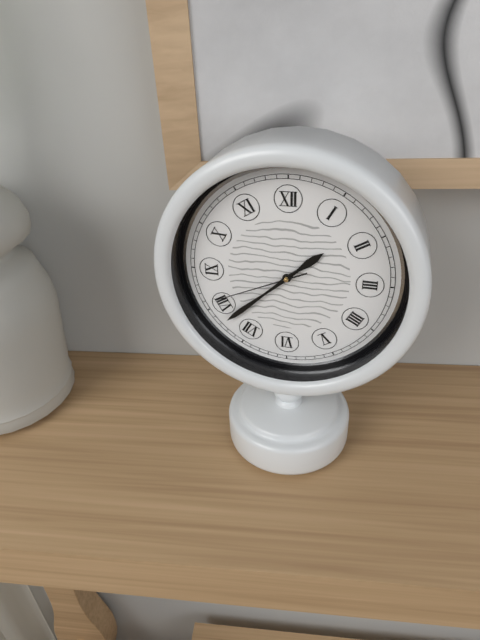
**1:38:41**
